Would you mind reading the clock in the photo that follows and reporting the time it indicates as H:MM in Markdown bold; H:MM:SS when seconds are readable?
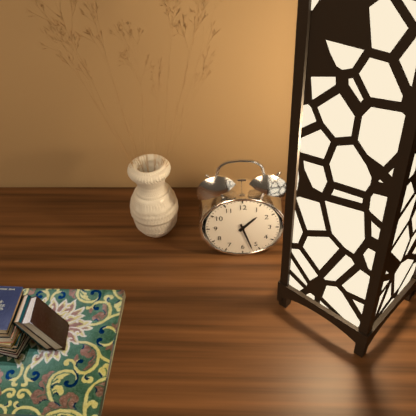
**1:27**
